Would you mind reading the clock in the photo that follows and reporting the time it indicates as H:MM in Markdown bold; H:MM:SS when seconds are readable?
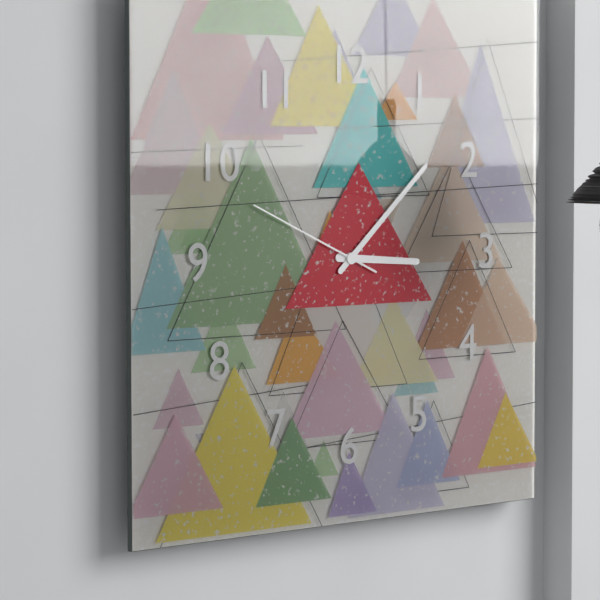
**3:08:49**
